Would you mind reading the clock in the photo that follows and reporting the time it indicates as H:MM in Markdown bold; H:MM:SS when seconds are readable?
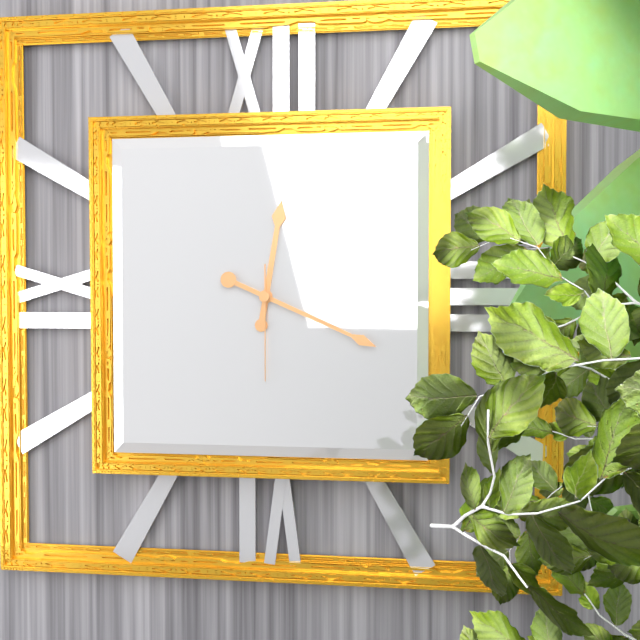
**12:19:30**
